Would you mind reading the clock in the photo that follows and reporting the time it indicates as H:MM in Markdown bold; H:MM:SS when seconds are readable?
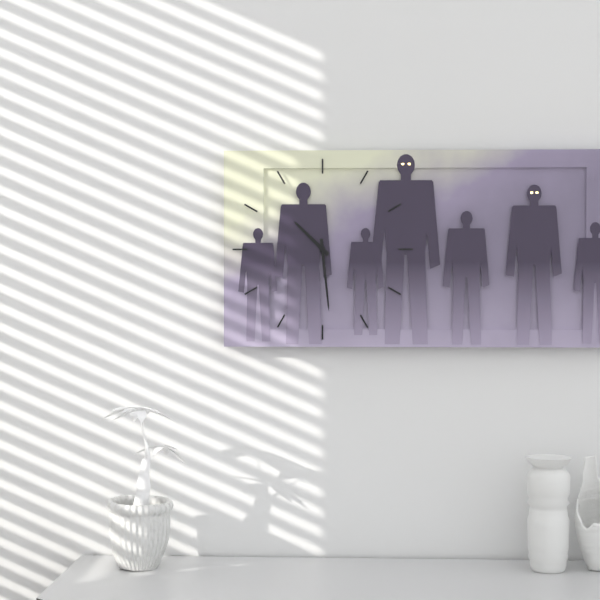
**10:29**
